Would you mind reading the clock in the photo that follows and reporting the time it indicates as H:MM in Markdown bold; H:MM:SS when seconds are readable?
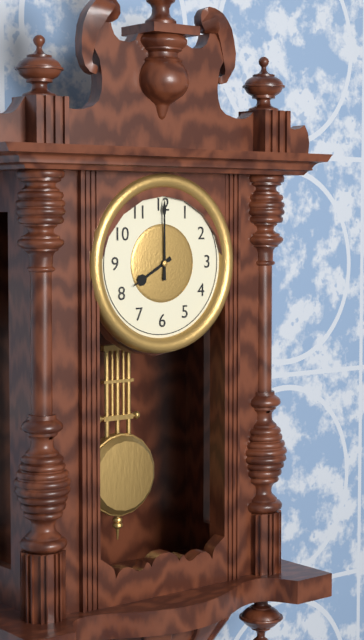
**8:00**
